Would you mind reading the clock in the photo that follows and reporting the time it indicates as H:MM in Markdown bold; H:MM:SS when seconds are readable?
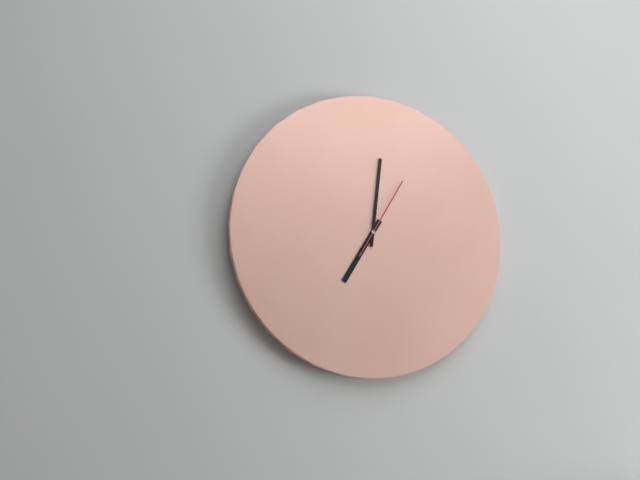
**7:01:05**
